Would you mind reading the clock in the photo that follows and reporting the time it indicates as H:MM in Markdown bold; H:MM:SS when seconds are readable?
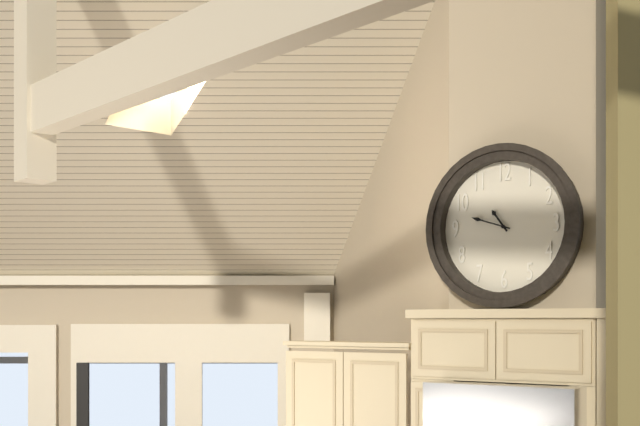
**10:48**
